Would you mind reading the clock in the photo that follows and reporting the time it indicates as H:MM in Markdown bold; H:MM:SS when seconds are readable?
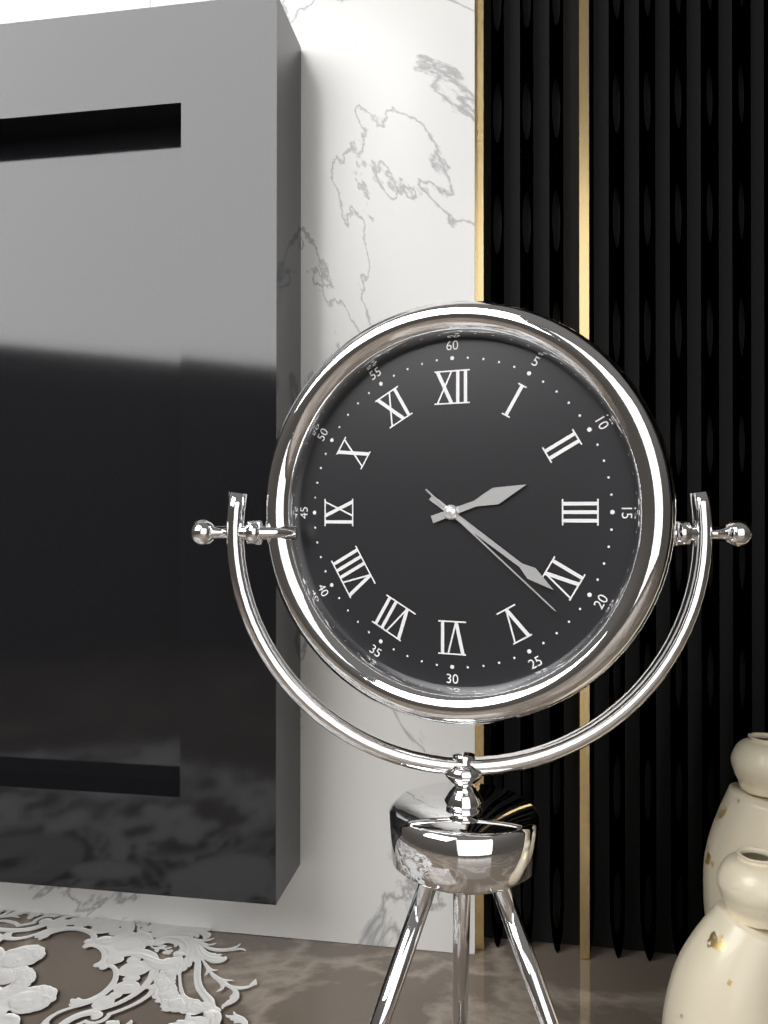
**2:21:22**
